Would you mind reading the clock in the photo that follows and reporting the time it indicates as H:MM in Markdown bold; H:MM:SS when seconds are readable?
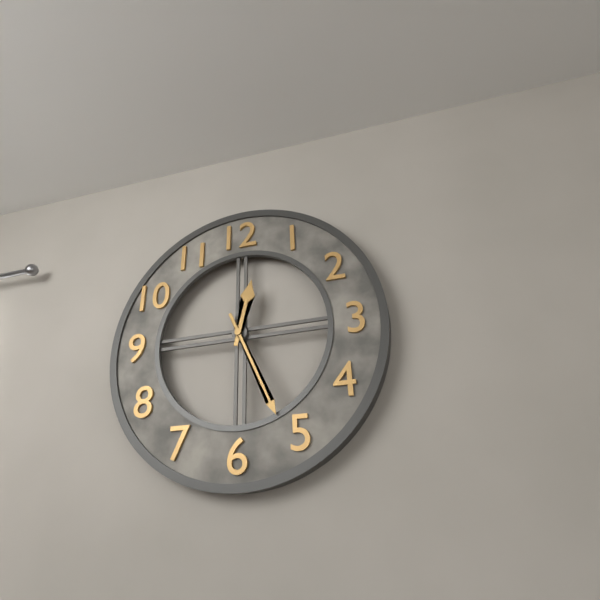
**12:26**
